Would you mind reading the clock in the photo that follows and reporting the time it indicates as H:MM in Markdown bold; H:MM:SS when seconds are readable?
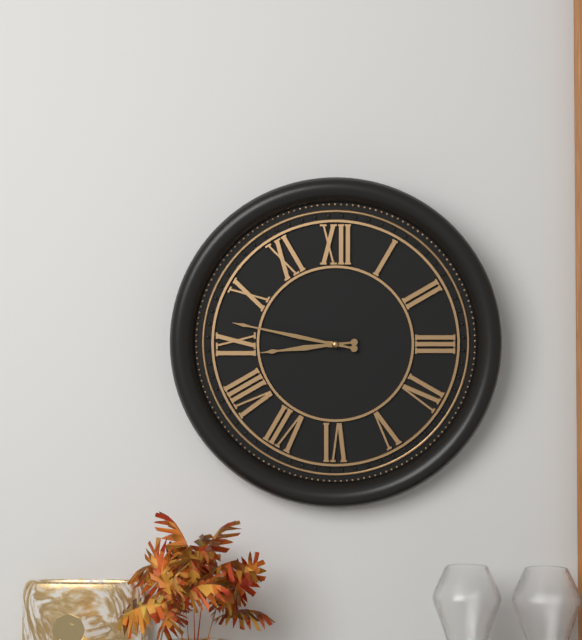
**8:47**
